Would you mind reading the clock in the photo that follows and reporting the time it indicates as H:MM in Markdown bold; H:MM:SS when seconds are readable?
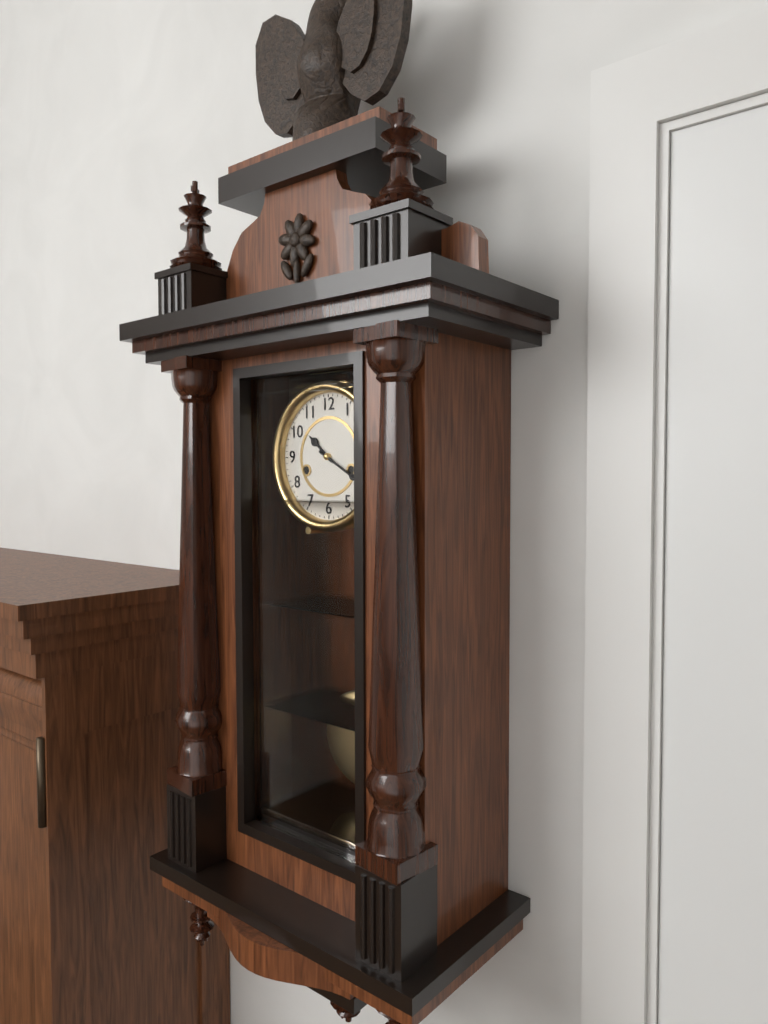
**10:20**
